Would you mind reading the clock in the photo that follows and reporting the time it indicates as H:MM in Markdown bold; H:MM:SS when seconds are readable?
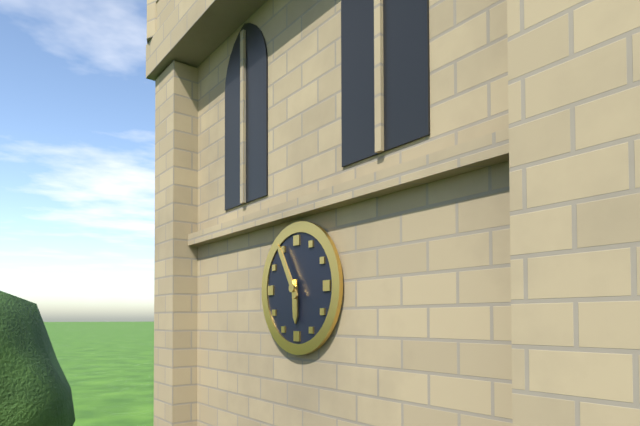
**5:55**
